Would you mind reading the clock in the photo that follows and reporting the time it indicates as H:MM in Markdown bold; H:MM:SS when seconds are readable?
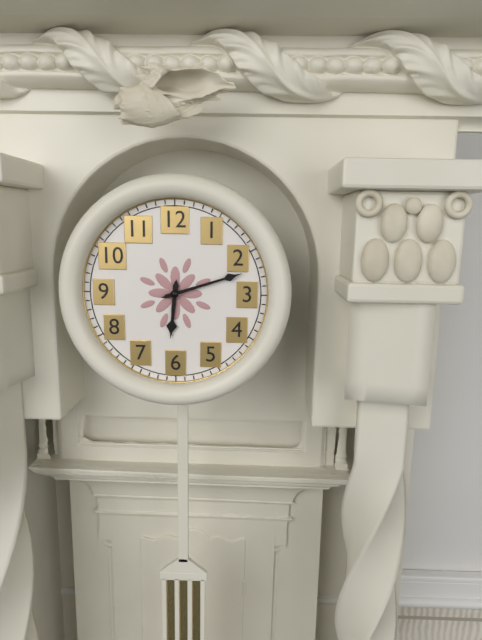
**6:12**
